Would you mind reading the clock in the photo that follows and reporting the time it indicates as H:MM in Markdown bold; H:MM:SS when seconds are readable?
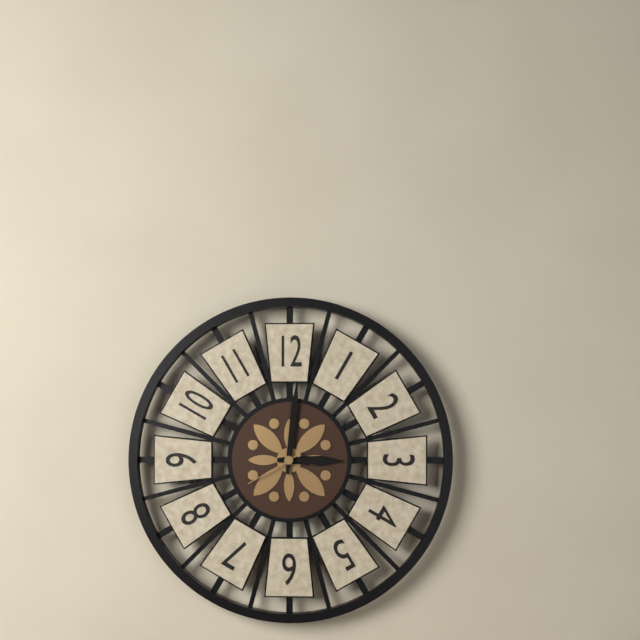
**3:01:40**
